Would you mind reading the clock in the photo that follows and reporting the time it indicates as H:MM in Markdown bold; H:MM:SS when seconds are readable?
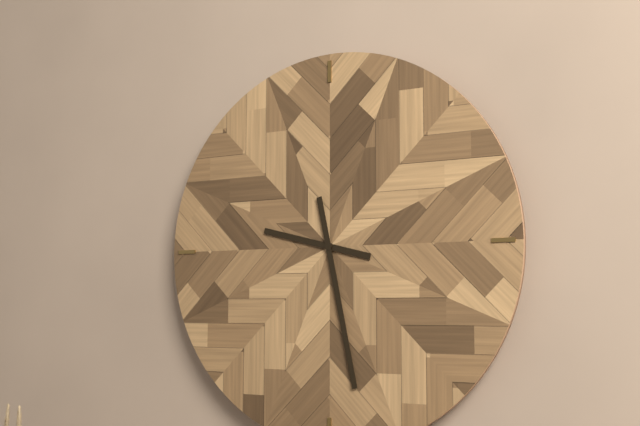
**9:28**
